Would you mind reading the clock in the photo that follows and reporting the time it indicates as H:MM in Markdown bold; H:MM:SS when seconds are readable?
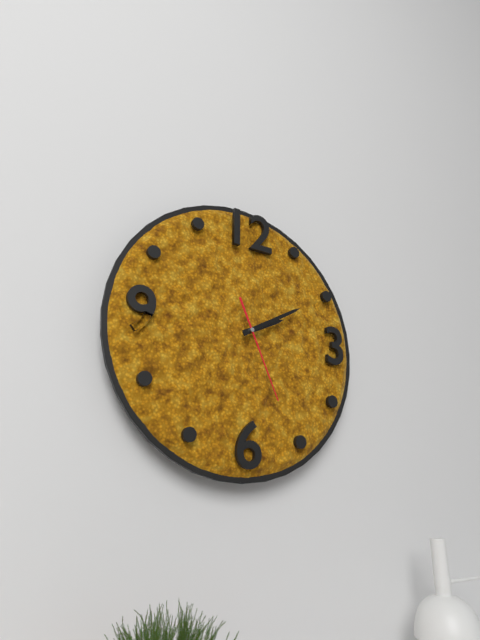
**2:10:26**
